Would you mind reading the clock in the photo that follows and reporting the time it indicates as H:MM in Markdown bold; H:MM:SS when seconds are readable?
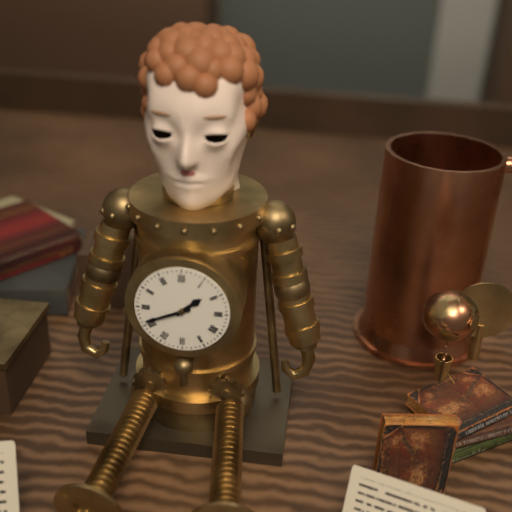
**1:41**
